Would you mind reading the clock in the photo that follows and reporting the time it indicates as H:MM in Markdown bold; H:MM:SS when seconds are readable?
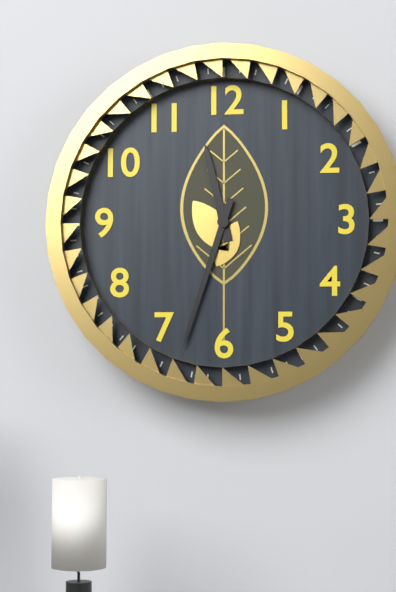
**11:33**
